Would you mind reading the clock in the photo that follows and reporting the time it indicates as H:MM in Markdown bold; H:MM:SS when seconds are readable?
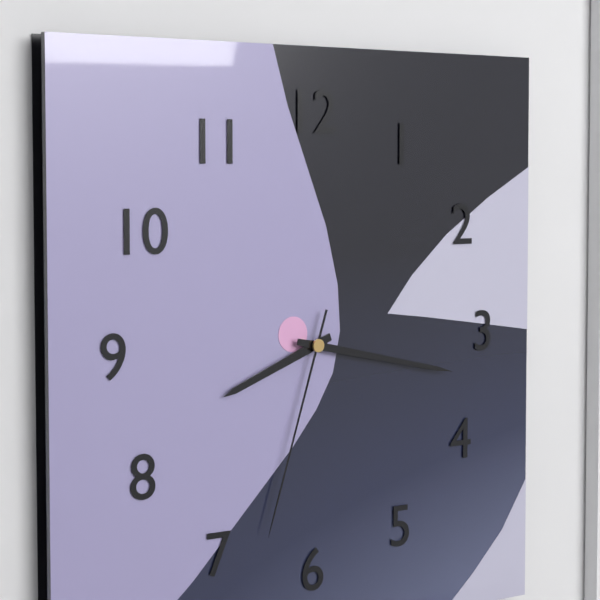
**8:17:33**
